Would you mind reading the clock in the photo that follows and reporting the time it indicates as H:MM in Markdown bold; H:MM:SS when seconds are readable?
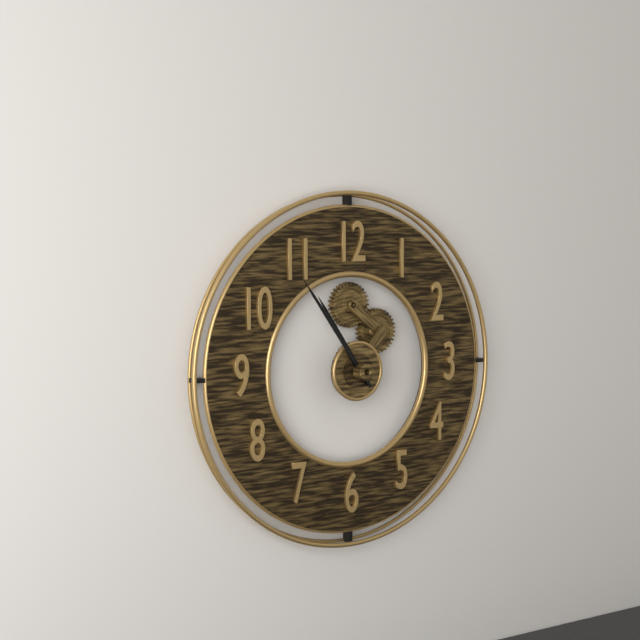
**10:54**
